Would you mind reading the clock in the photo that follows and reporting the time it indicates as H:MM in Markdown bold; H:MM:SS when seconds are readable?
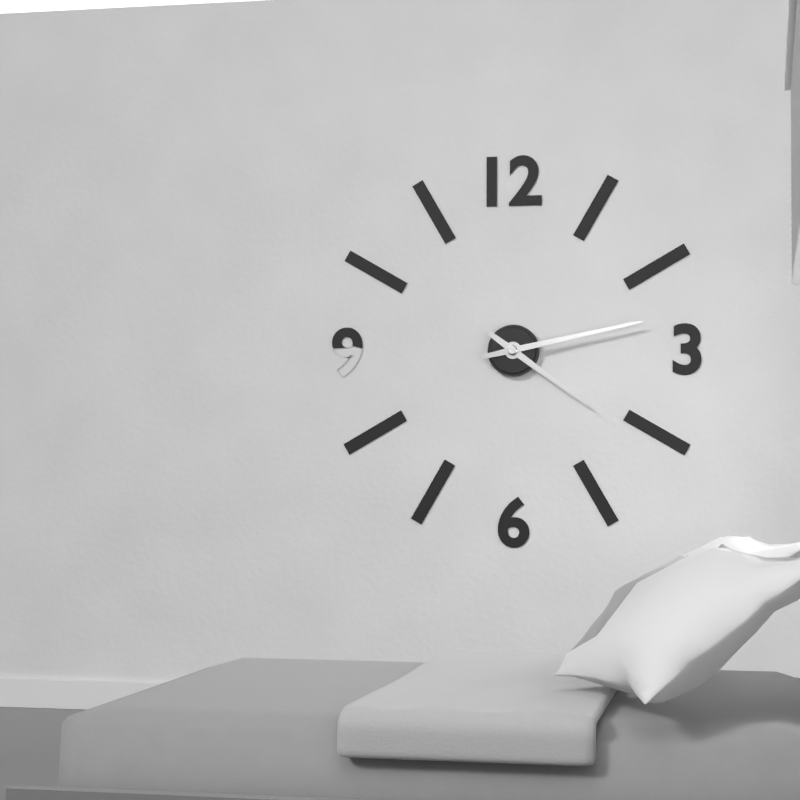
**4:13**
